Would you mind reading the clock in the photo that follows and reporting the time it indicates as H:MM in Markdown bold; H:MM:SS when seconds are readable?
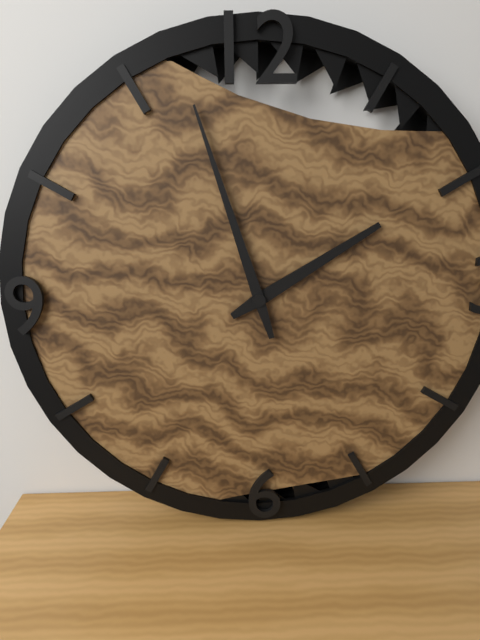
**1:57**
